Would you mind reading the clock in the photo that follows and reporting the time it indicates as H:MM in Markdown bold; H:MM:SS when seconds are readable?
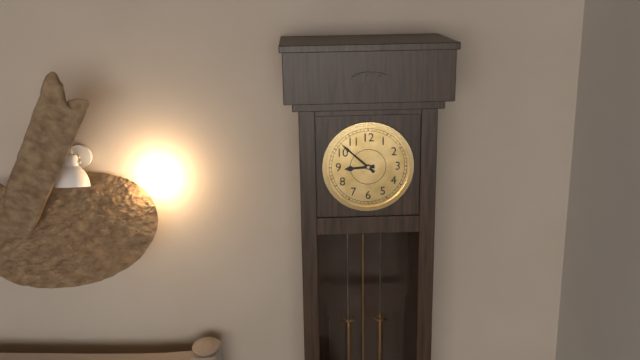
**8:52**
